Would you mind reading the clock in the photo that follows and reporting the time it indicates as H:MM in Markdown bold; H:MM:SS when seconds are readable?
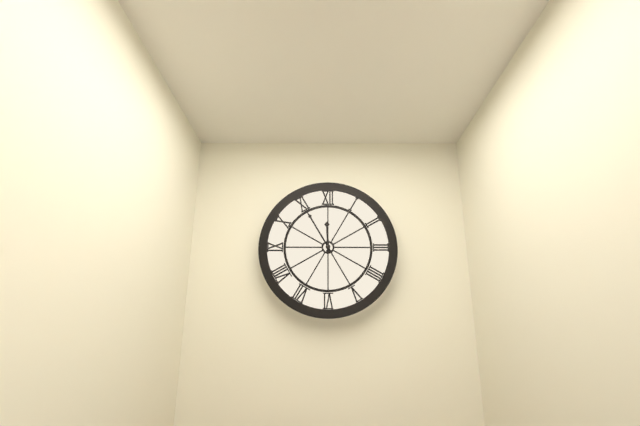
**11:55**
